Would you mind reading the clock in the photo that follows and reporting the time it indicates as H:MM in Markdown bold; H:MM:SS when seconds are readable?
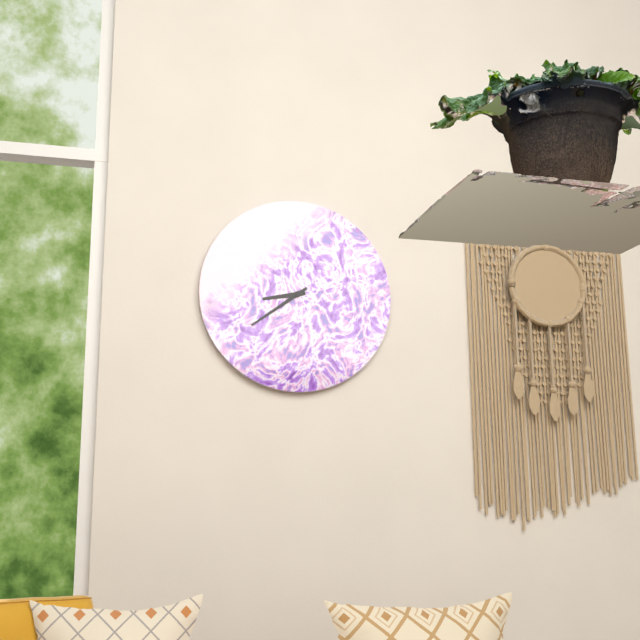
**8:39**
